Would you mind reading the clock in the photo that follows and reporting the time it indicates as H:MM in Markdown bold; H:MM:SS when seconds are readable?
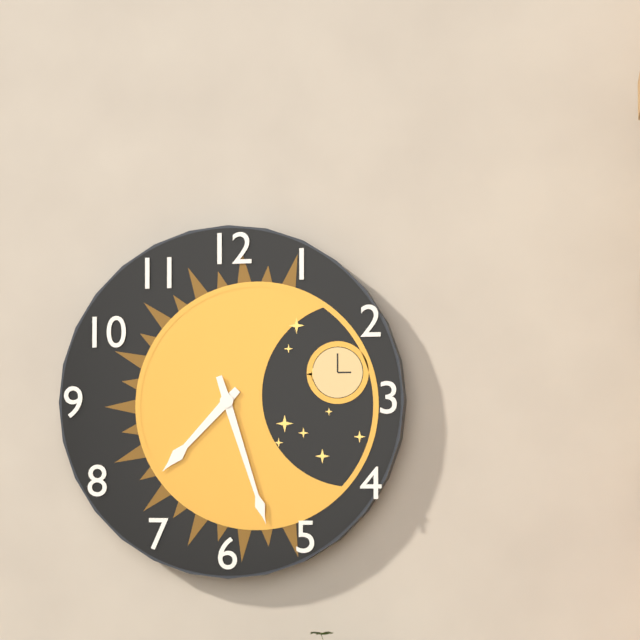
**7:27**
